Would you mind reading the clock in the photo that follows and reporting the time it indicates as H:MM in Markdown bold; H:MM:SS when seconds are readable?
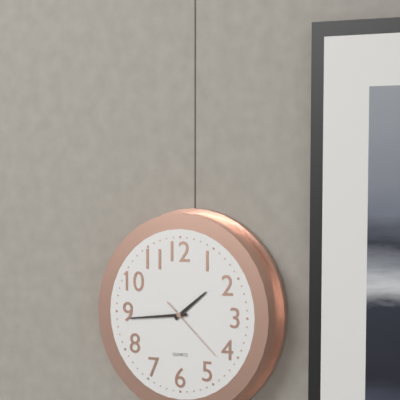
**1:44:22**
